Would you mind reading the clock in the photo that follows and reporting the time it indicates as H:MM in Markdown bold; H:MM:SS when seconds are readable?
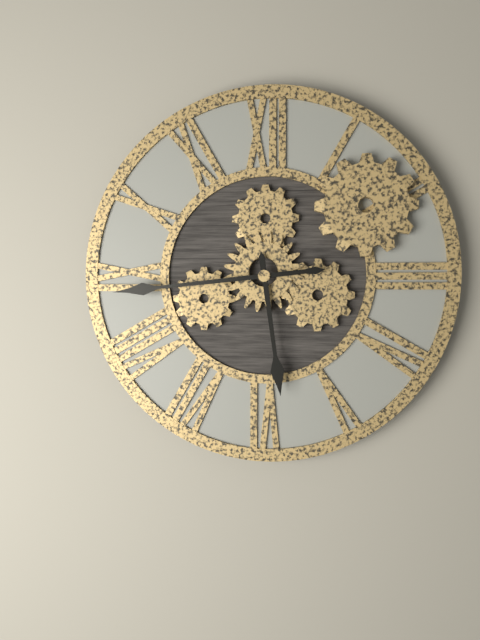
**5:44**
